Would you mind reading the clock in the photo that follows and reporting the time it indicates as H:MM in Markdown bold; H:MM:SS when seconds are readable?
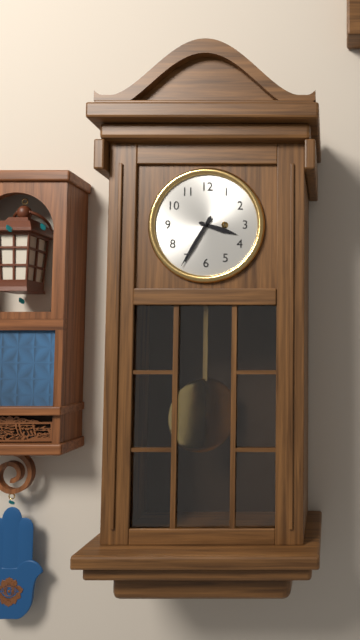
**3:35**
